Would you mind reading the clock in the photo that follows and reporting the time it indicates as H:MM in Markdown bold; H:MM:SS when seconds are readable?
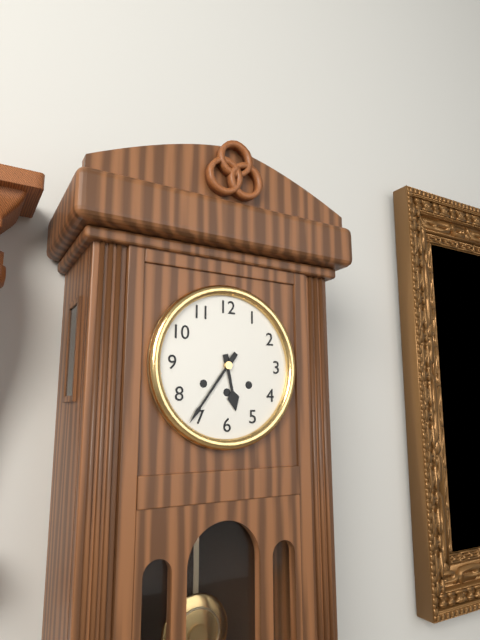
**5:36**
